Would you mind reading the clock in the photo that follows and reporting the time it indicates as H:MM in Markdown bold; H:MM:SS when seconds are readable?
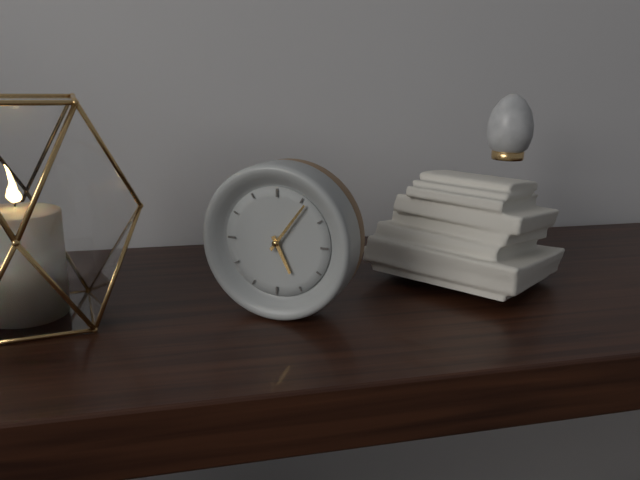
**5:06**
